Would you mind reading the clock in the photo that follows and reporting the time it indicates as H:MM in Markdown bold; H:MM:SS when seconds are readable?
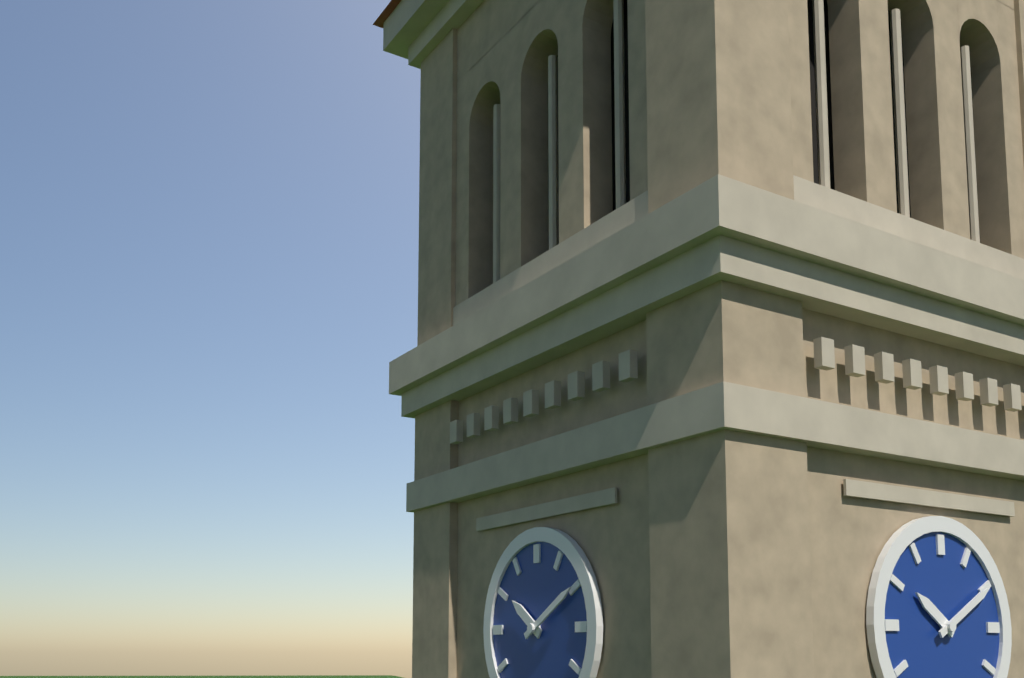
**10:10**
